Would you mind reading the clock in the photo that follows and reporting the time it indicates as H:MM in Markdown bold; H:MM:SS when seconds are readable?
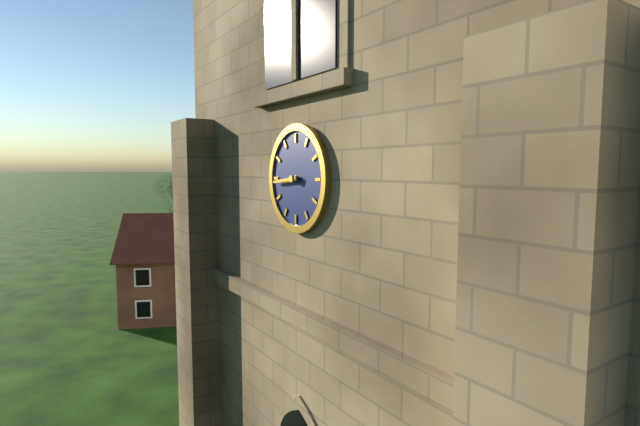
**8:44**
